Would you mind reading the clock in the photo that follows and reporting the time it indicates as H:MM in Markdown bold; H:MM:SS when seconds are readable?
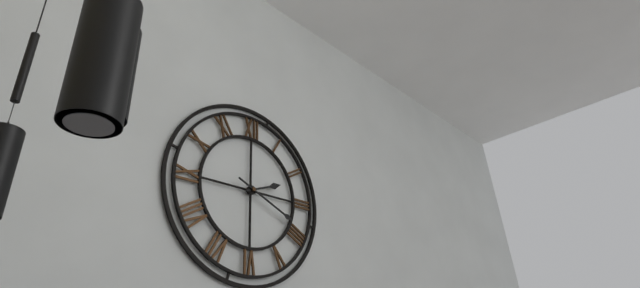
**2:19**
